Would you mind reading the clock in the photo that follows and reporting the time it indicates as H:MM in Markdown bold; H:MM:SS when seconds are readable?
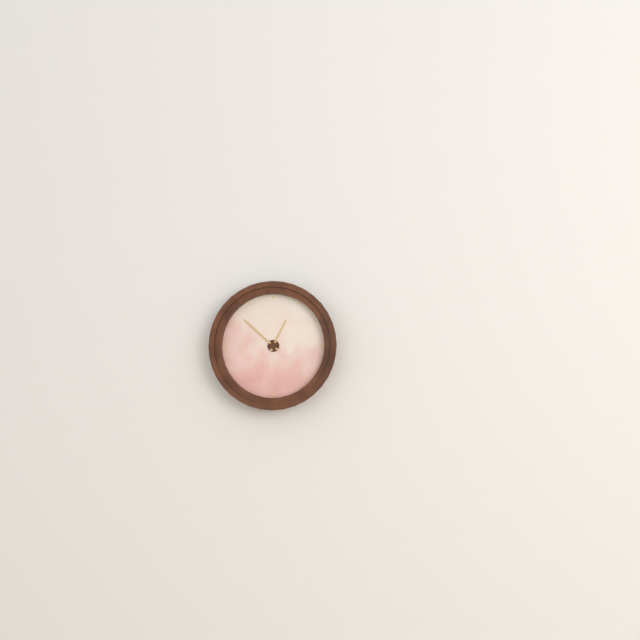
**12:52**
